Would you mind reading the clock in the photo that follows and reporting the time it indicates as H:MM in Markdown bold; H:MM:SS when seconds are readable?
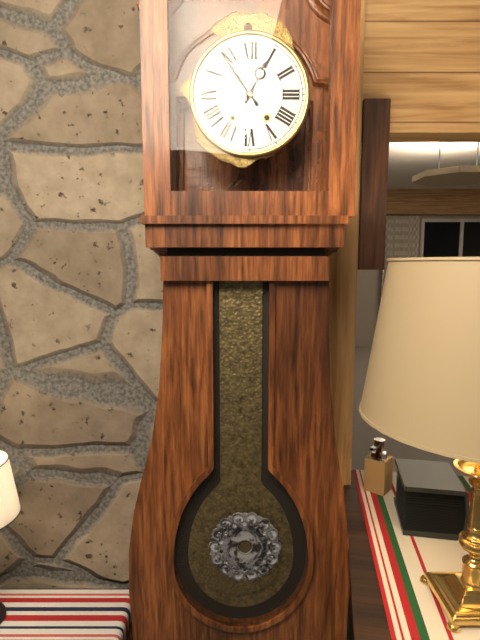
**12:54**
